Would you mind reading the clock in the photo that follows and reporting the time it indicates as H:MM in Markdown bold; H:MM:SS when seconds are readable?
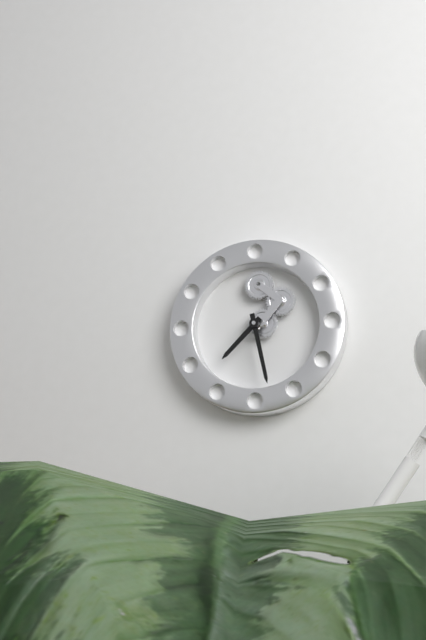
**7:28**
